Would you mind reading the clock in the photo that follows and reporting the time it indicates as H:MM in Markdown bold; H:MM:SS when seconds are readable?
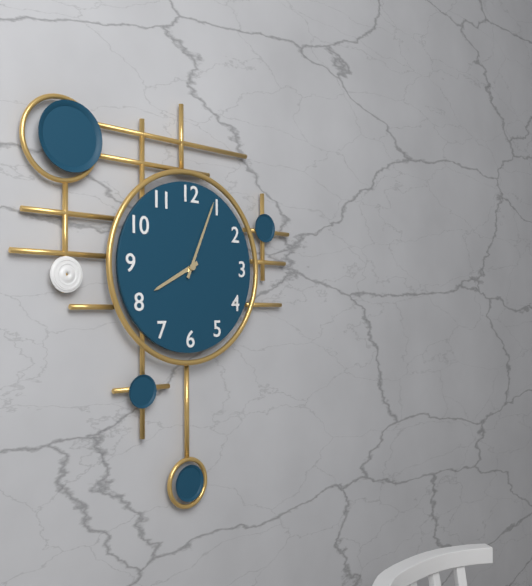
**8:04**
